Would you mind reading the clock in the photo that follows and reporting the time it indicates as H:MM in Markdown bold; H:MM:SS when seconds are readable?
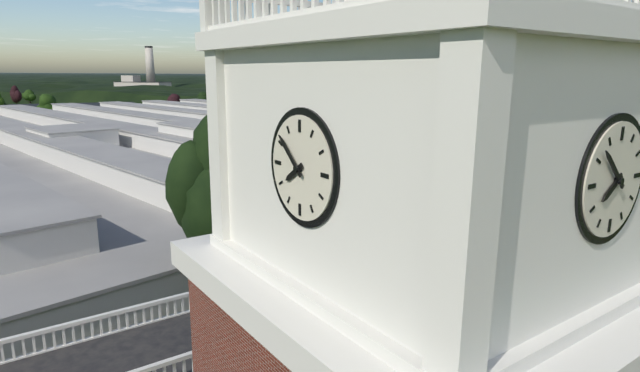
**7:52**
